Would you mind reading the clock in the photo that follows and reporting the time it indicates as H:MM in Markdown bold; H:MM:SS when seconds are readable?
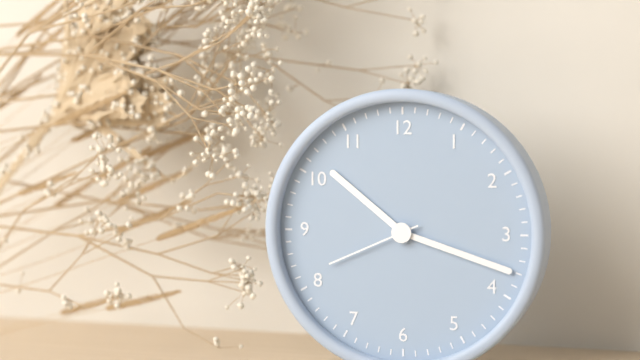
**10:18:41**
